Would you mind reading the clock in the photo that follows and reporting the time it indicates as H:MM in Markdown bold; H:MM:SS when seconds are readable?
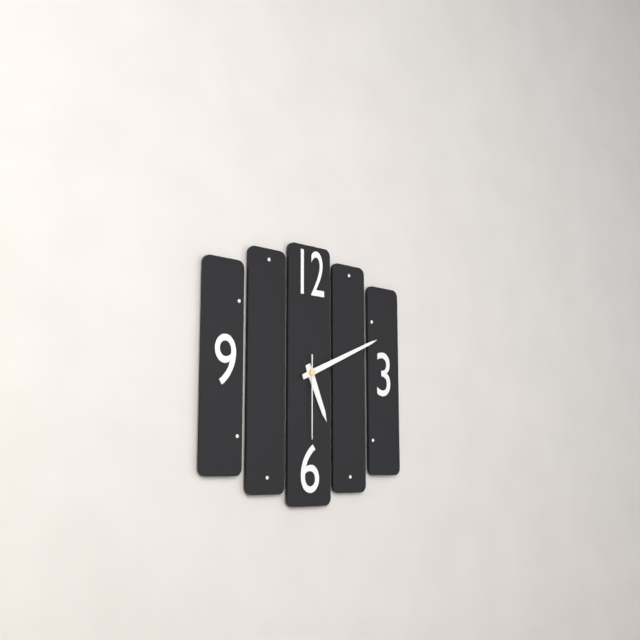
**5:11:30**
